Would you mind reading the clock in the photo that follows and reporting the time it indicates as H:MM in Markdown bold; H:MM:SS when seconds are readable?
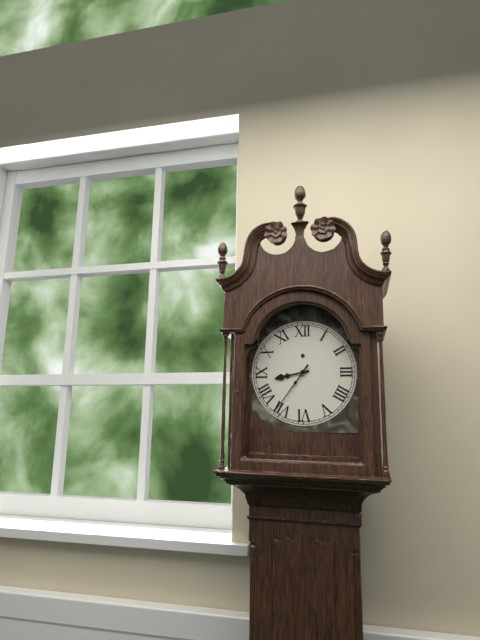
**8:36**
